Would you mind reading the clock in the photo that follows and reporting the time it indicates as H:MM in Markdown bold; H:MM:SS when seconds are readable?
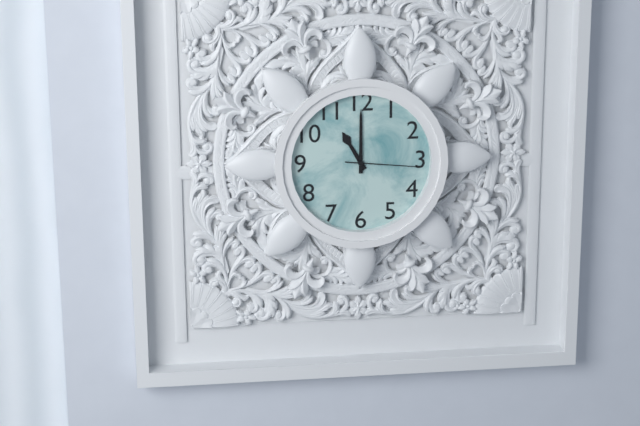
**11:00:16**
